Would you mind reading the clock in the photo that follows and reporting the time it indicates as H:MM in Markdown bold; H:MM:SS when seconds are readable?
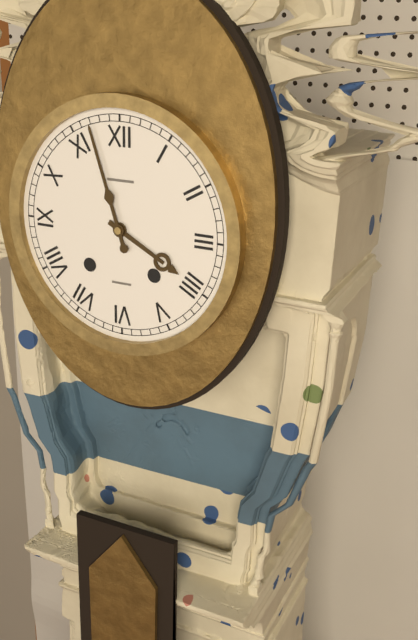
**3:57**
